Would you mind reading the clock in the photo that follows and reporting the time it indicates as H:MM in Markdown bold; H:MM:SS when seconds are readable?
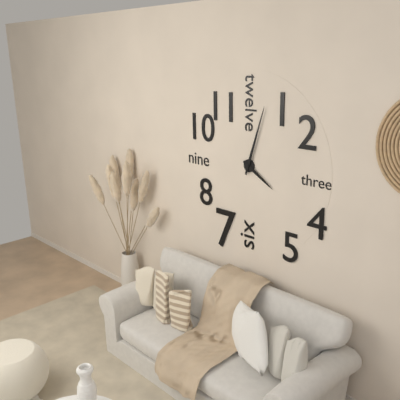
**4:03**
